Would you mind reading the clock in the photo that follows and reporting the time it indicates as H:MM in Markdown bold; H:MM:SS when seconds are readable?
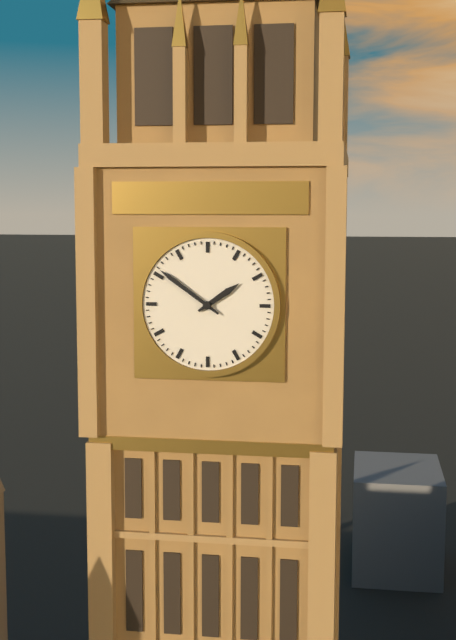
**1:51**
